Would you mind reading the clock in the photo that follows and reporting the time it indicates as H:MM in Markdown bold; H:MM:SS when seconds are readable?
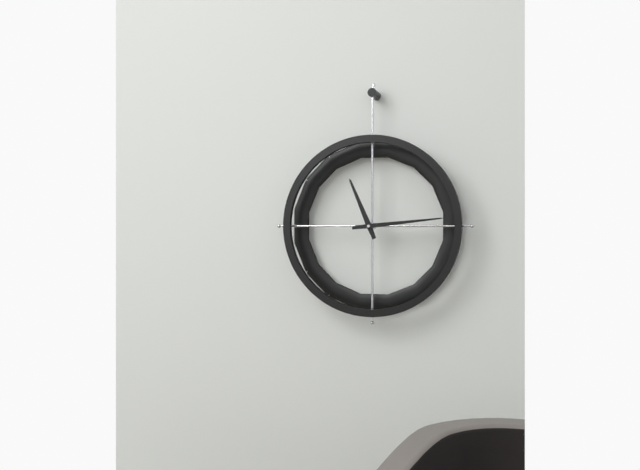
**11:14**
